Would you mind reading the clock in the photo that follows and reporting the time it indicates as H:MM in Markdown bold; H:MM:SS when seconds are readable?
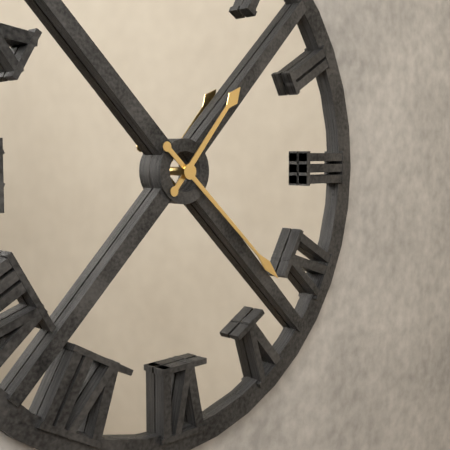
**1:22**
